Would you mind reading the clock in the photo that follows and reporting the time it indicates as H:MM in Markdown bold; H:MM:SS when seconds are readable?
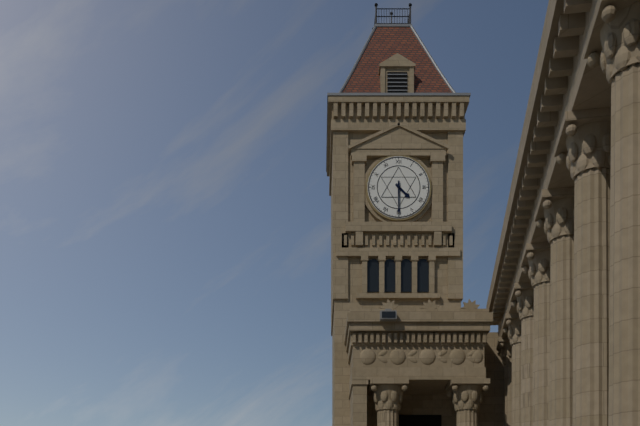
**4:30**
